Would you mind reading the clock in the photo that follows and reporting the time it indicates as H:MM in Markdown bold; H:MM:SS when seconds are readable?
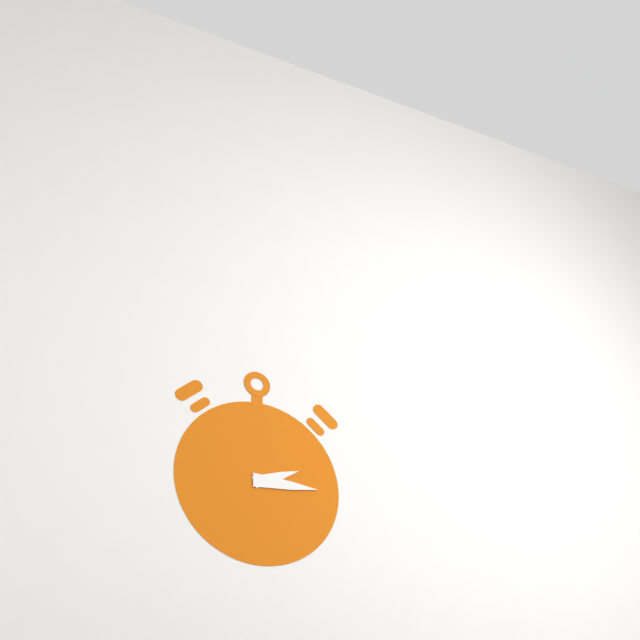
**2:15**
